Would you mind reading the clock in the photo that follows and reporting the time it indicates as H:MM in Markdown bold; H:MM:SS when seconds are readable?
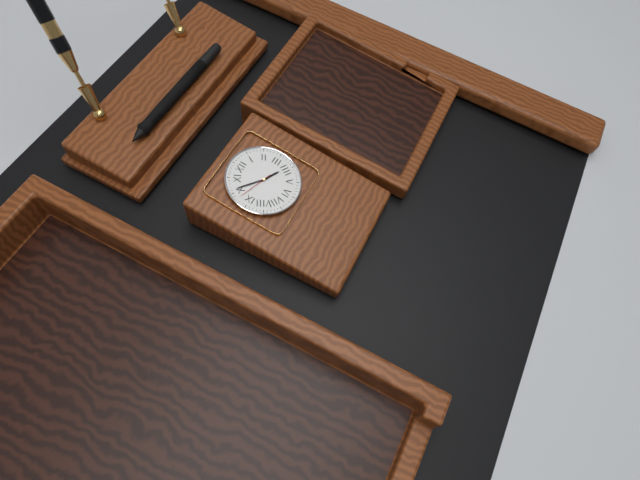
**3:51**
